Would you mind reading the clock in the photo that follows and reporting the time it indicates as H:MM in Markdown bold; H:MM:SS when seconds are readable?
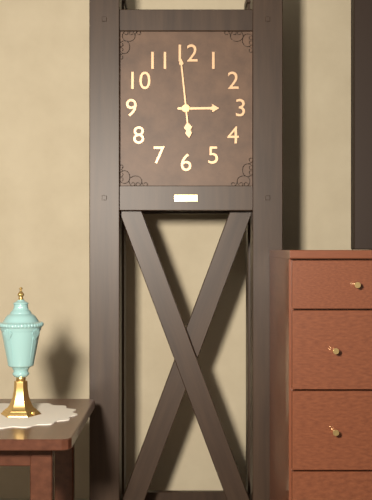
**2:59**
